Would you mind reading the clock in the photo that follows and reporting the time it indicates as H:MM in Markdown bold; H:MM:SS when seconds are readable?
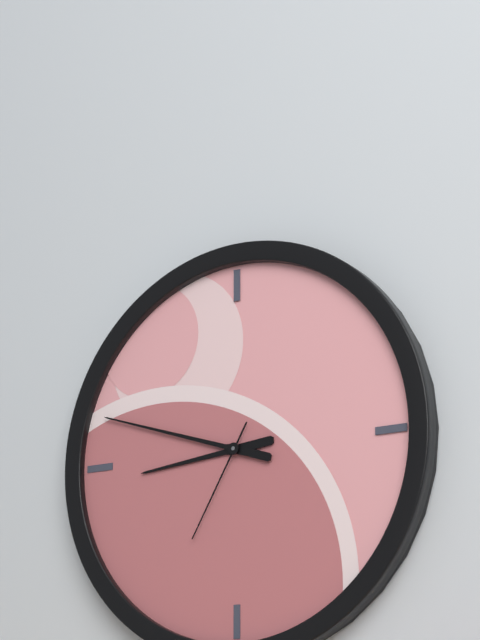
**8:48:35**
